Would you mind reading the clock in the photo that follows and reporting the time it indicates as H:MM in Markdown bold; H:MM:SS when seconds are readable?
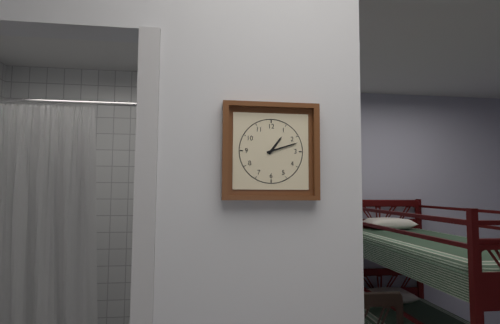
**1:12**
